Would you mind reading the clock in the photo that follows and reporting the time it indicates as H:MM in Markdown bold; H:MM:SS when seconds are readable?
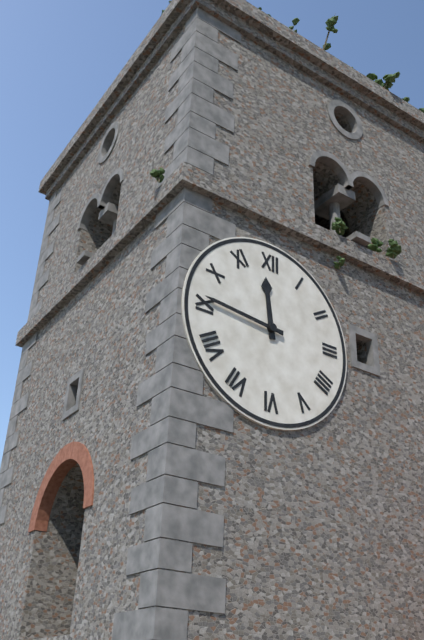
**11:46**
